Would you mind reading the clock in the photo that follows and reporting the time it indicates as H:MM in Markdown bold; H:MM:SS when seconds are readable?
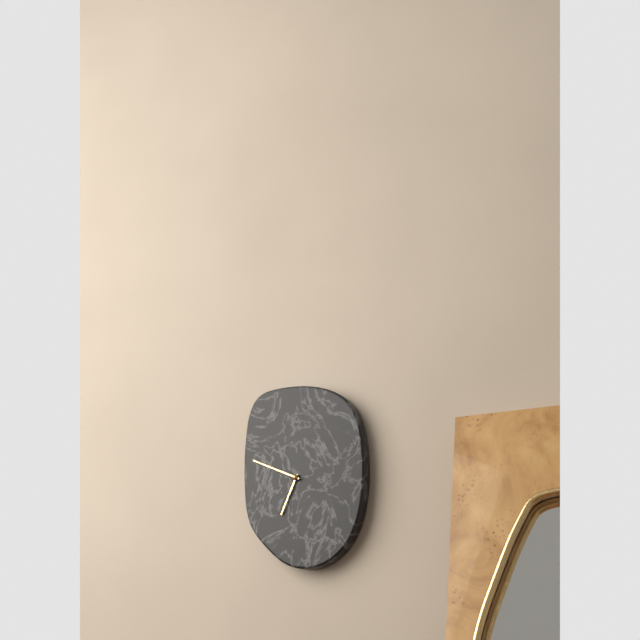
**6:49**
